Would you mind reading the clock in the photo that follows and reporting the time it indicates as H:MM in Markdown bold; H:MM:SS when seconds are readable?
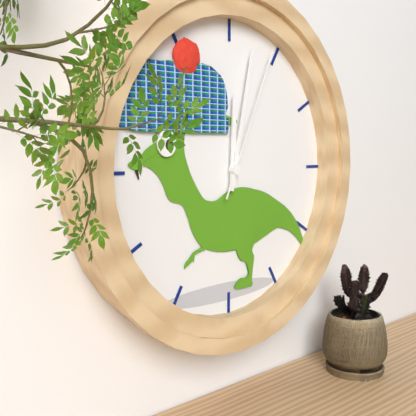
**12:02:04**
